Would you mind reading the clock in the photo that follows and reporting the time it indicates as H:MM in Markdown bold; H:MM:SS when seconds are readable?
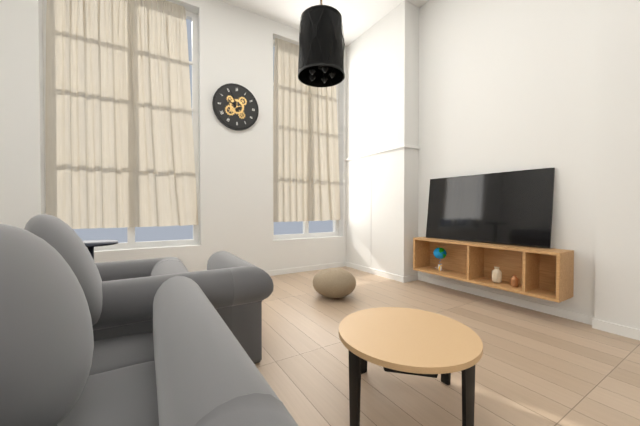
**9:56**
